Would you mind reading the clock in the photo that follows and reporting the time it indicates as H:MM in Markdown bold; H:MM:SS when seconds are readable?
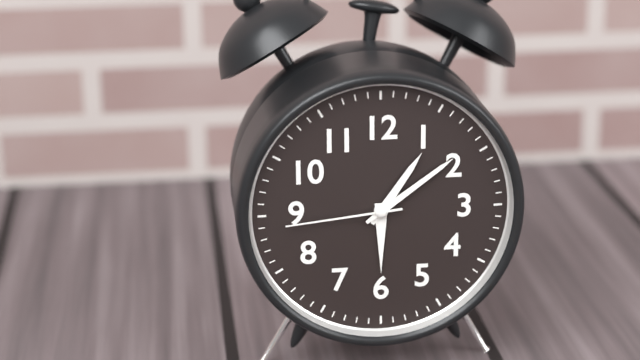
**1:09:44**
